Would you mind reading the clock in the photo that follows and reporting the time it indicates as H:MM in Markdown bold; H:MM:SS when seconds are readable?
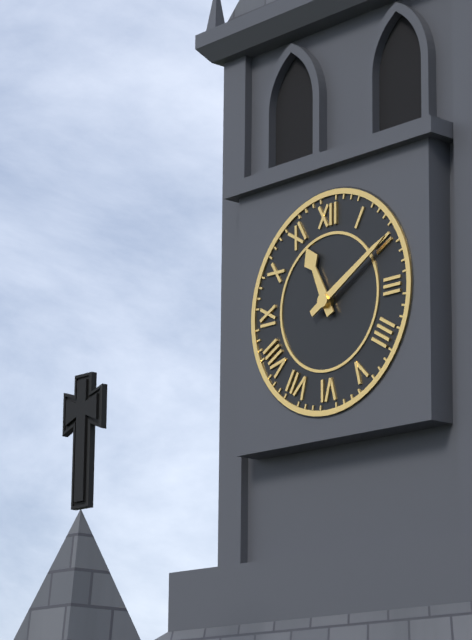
**11:10**
